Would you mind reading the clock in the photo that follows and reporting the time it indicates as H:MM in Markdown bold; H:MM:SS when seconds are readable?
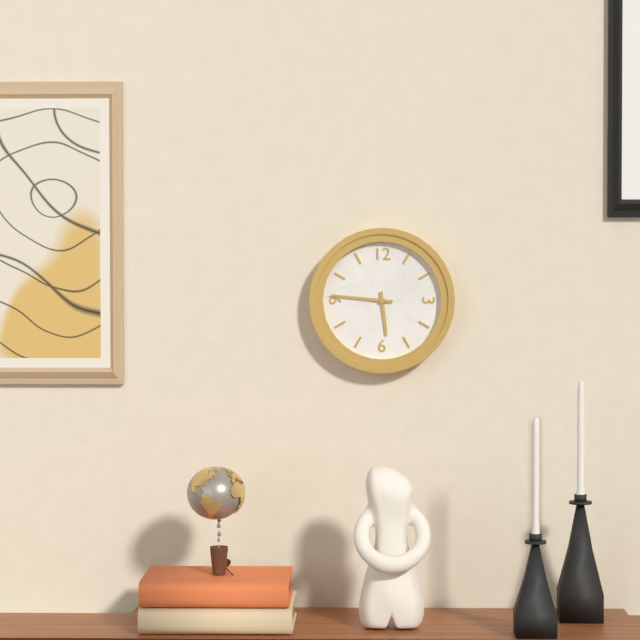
**5:46**
